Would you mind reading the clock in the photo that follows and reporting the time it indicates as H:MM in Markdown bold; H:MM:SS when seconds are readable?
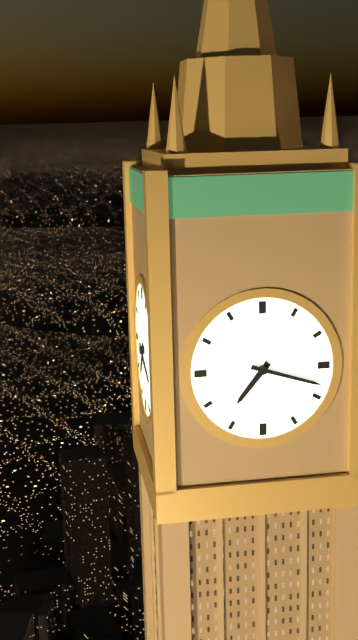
**7:18**
